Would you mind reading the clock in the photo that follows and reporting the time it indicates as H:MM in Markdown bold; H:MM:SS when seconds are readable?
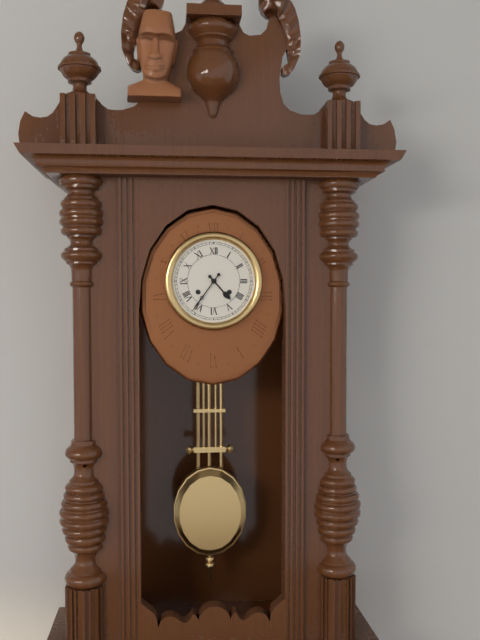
**4:36**
